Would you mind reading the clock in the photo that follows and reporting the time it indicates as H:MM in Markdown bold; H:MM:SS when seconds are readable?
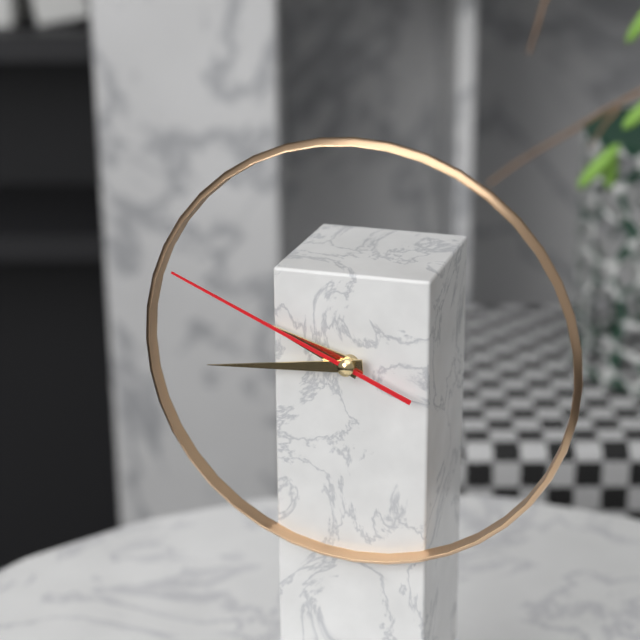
**9:44:49**
